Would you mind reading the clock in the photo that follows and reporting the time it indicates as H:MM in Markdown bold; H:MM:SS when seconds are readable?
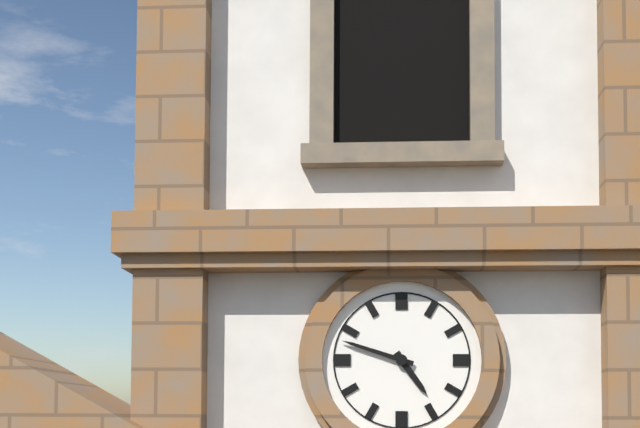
**4:48**
